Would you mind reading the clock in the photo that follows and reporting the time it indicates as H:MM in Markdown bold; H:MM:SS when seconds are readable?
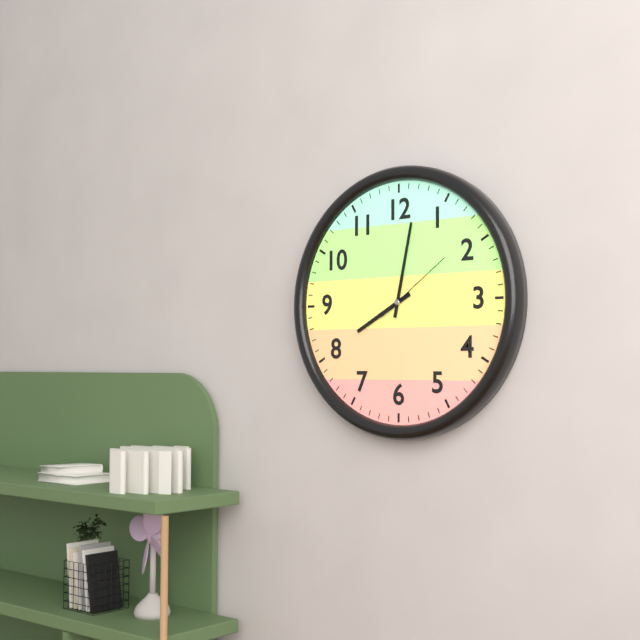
**8:02:09**
